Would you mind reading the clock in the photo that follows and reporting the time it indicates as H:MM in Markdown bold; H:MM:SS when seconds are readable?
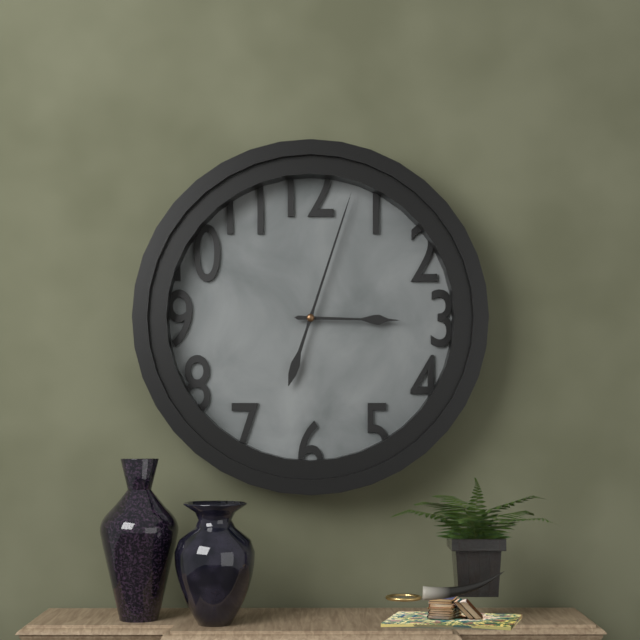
**3:03**
